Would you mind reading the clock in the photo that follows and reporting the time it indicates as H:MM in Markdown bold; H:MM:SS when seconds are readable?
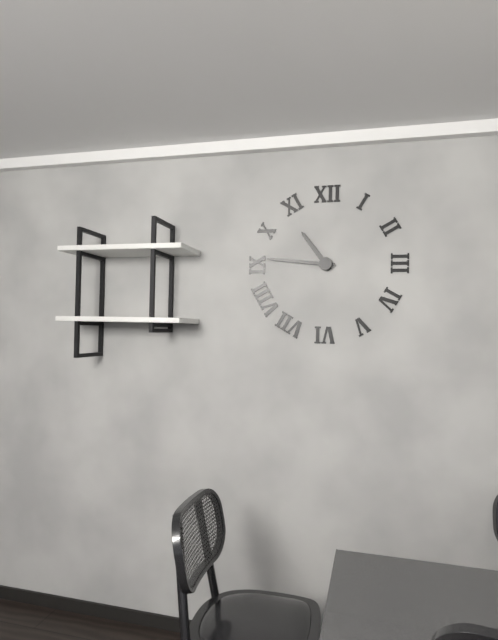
**10:46**
